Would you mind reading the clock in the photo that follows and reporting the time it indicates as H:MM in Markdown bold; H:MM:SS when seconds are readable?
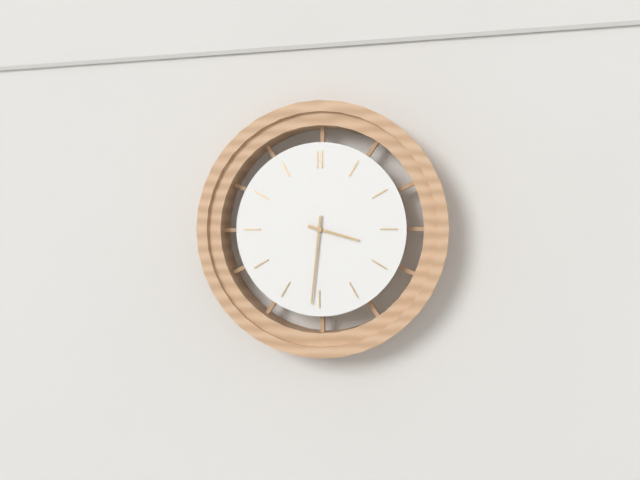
**3:31**
